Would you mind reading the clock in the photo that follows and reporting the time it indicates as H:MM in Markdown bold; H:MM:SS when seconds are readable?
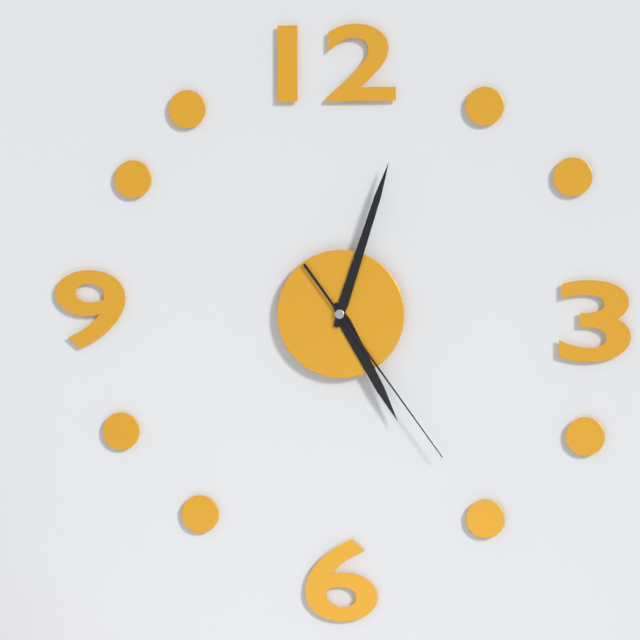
**5:03:24**
